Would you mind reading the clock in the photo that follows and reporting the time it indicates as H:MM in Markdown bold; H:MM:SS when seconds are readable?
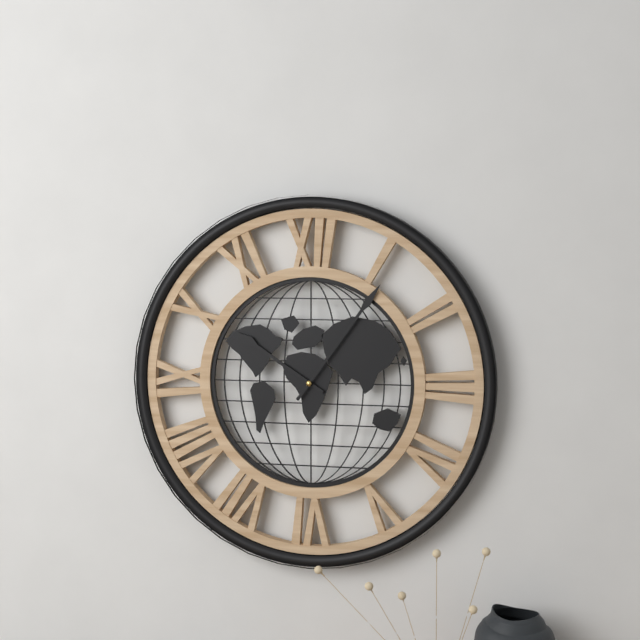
**10:06**
